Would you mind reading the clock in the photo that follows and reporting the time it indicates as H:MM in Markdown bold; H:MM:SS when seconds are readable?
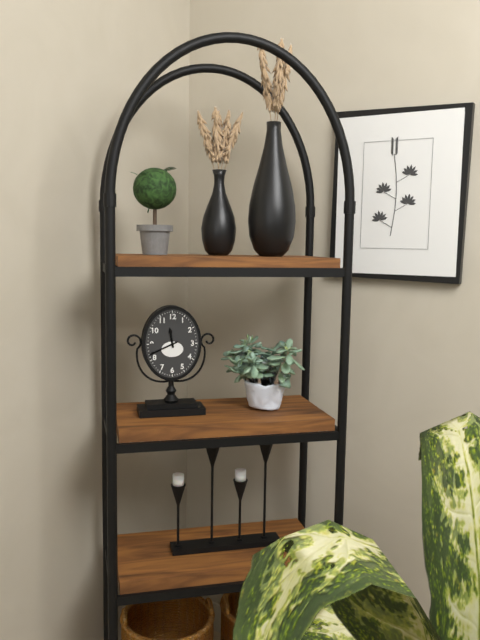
**11:41**
